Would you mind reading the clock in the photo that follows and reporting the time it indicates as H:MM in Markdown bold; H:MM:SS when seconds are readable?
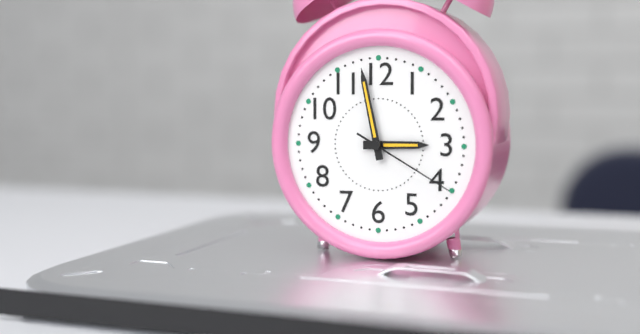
**2:58:20**
